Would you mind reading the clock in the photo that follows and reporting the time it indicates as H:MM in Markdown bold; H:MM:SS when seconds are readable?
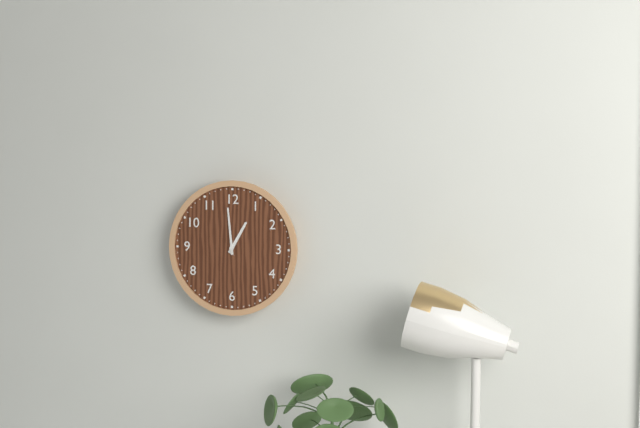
**12:59**
